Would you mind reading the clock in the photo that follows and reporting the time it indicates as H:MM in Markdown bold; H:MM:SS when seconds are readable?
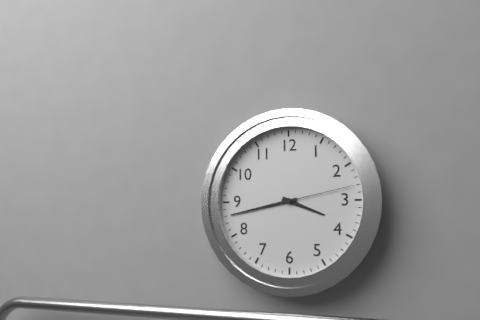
**3:43:13**
